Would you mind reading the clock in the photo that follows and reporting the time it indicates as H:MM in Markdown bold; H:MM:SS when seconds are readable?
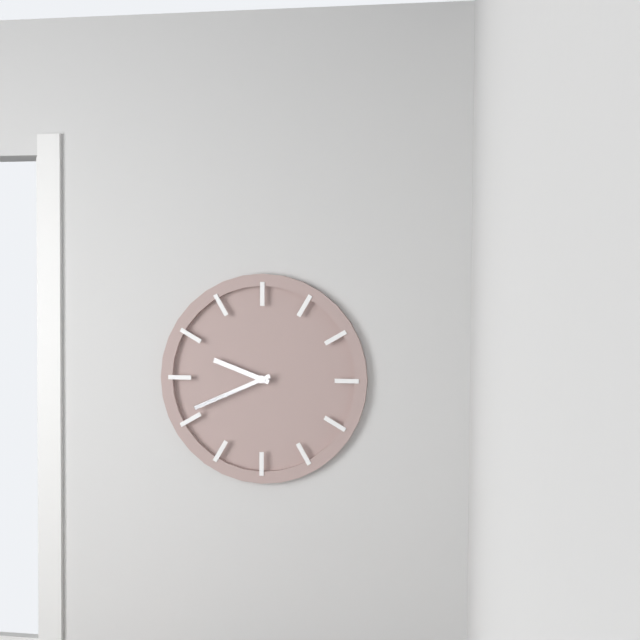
**9:41**
